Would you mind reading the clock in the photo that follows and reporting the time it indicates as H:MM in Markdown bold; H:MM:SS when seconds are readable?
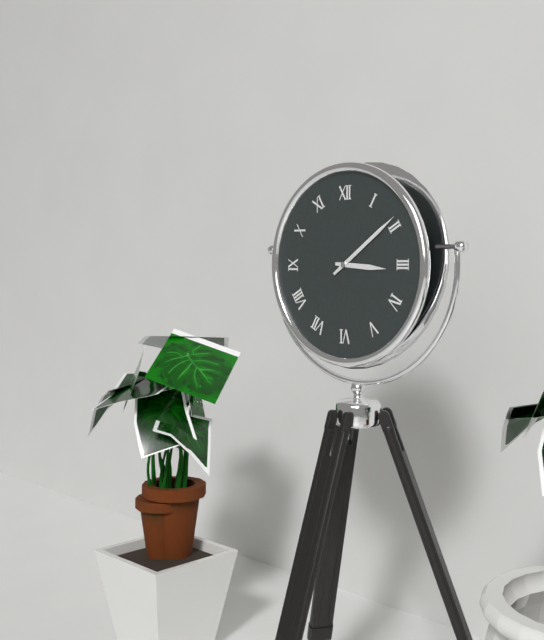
**3:09**
